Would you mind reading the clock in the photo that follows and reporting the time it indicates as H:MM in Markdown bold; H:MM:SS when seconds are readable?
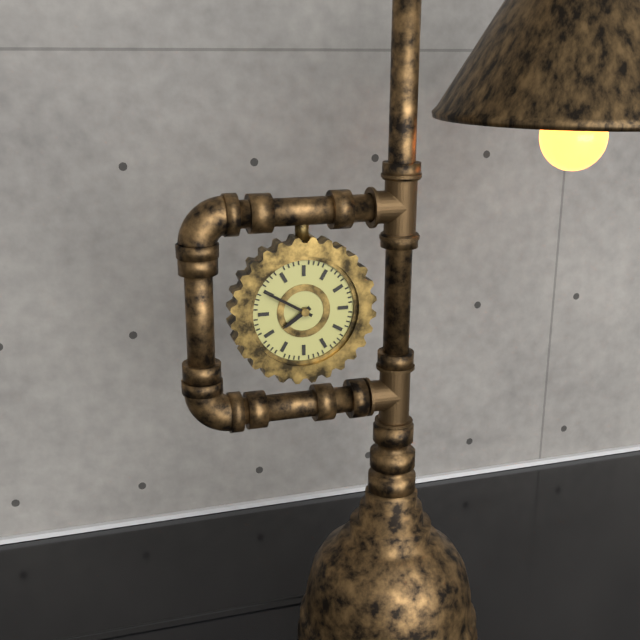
**7:50**
